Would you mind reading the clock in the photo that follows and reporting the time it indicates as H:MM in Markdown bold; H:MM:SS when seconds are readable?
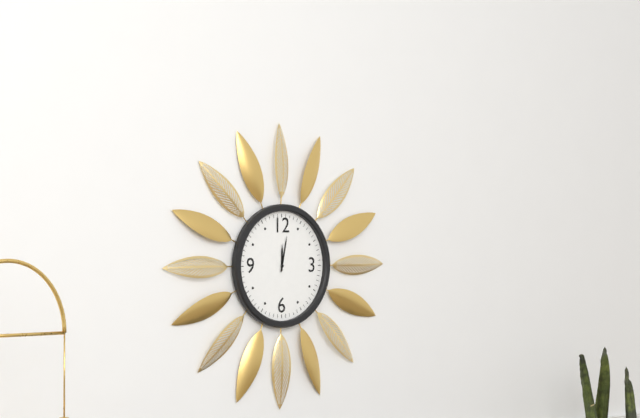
**12:02**
